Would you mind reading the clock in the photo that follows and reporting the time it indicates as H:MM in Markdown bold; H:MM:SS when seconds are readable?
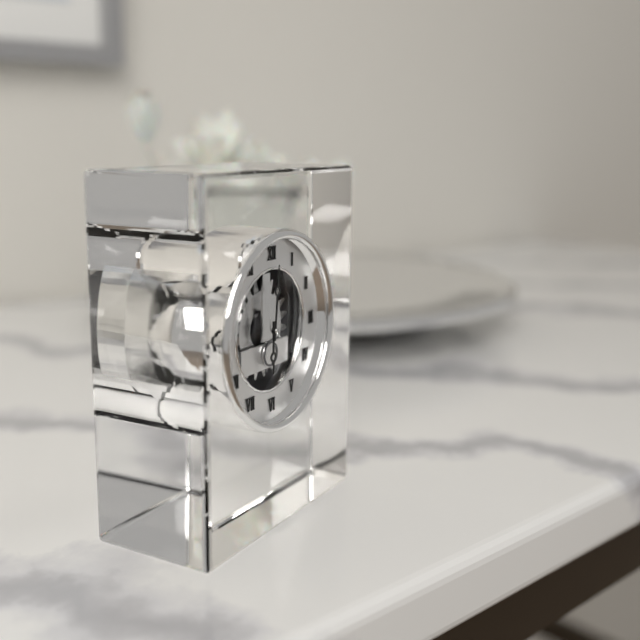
**6:01**
